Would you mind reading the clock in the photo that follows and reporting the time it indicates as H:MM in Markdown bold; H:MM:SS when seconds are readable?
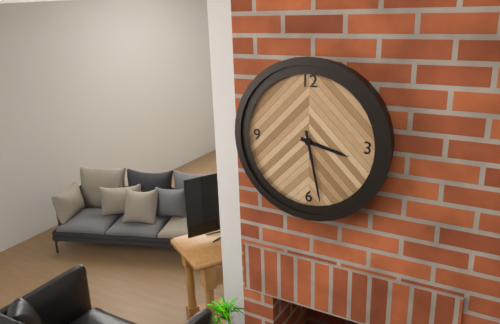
**3:28**
